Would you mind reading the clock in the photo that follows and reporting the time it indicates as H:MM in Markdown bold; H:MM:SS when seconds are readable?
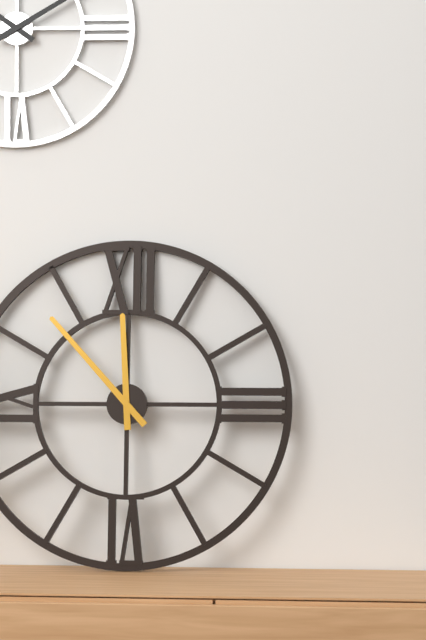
**11:53**
